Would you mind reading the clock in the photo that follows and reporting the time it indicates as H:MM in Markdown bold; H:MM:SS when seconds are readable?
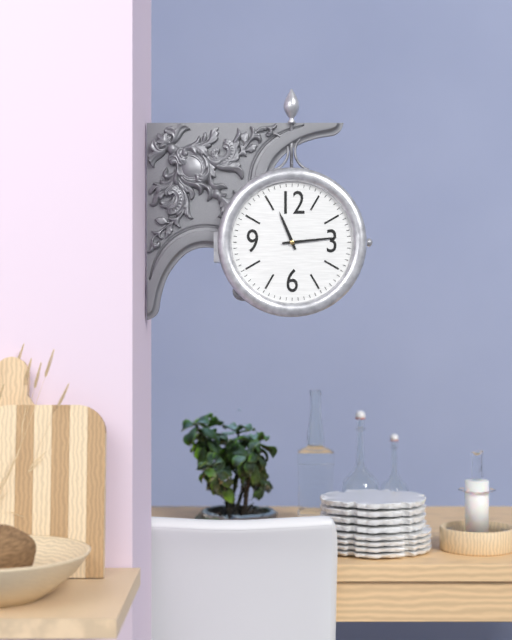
**11:14**
